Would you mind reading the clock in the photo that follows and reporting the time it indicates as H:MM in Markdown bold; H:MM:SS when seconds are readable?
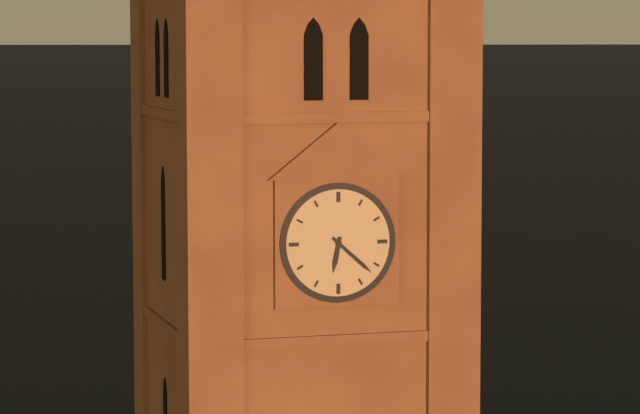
**6:22**
